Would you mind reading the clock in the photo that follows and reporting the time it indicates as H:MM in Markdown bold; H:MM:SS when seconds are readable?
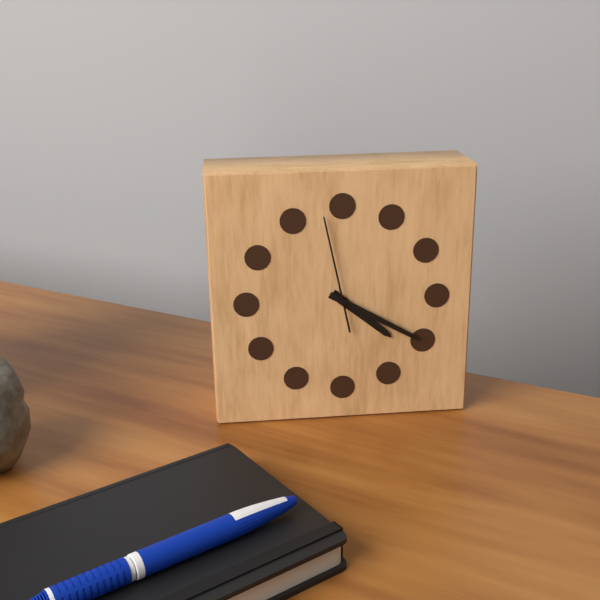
**4:20:58**
